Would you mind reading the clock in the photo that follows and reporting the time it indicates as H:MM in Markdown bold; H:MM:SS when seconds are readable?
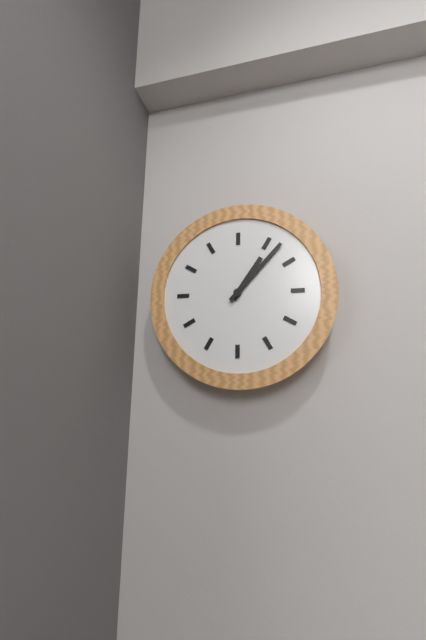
**1:07**
